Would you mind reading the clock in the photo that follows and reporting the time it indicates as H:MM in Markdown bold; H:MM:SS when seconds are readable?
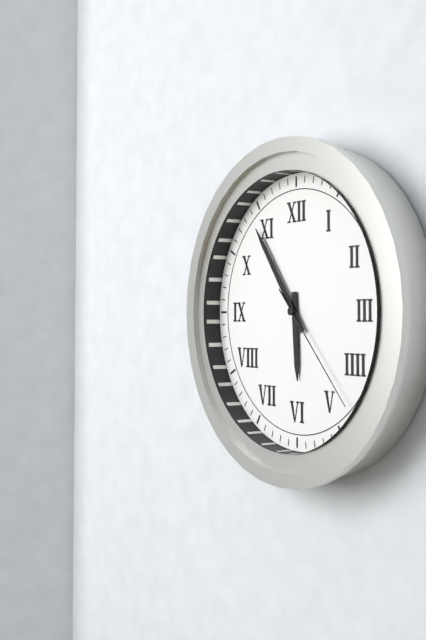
**5:54:23**
